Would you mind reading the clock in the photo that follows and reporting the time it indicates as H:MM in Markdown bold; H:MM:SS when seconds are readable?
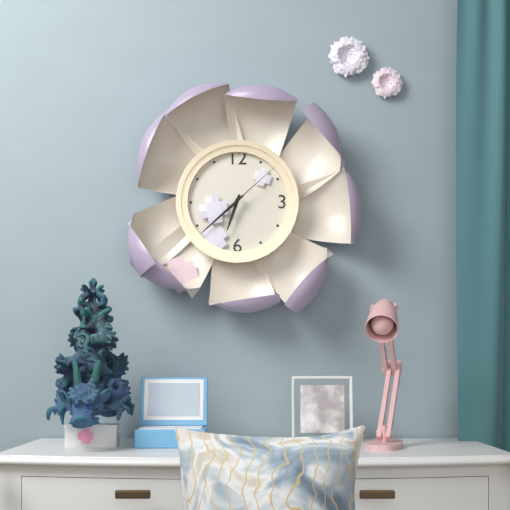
**6:38:08**
